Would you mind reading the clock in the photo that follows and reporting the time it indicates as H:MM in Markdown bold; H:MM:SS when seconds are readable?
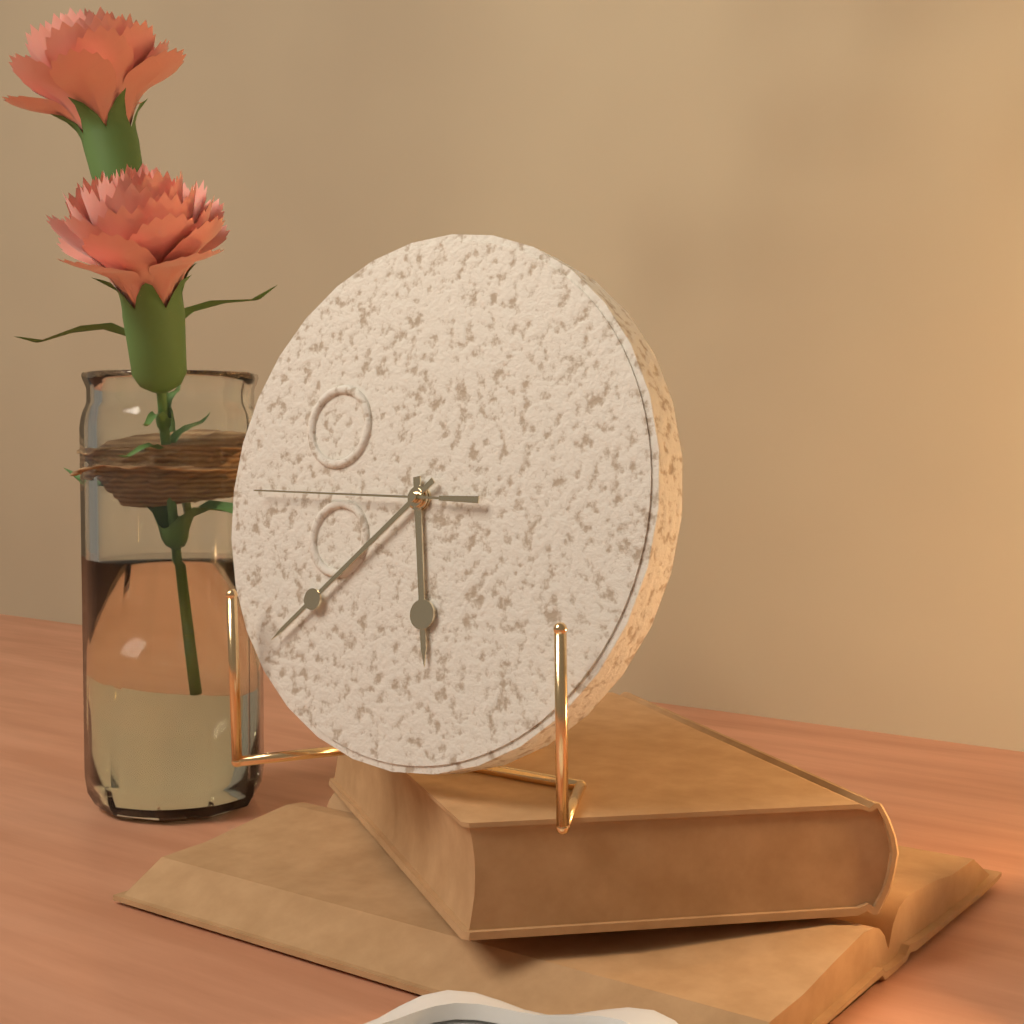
**5:38:45**
